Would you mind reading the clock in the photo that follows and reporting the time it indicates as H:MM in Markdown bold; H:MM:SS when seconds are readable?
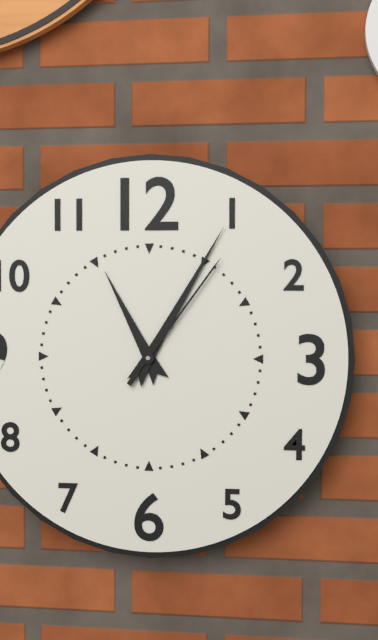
**11:05:06**
